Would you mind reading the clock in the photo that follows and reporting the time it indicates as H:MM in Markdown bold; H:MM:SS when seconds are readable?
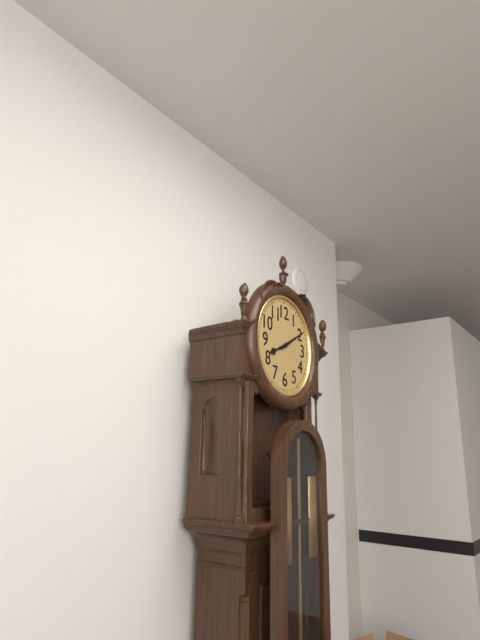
**8:10**
